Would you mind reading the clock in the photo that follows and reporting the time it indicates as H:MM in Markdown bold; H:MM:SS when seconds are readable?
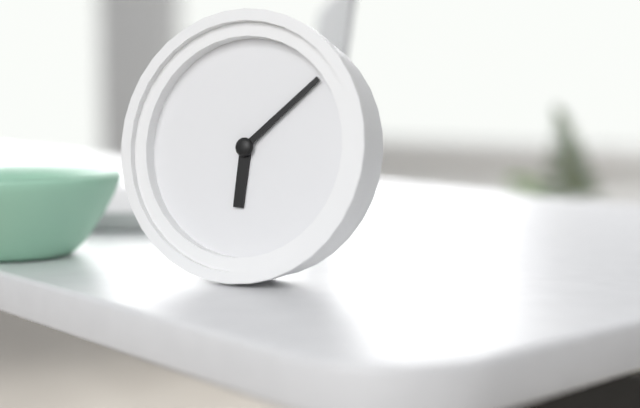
**6:08**
